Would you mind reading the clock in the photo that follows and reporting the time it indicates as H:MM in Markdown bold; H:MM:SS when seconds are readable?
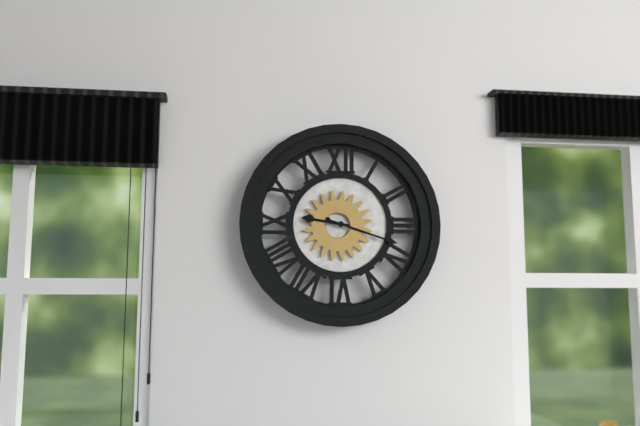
**9:18**
